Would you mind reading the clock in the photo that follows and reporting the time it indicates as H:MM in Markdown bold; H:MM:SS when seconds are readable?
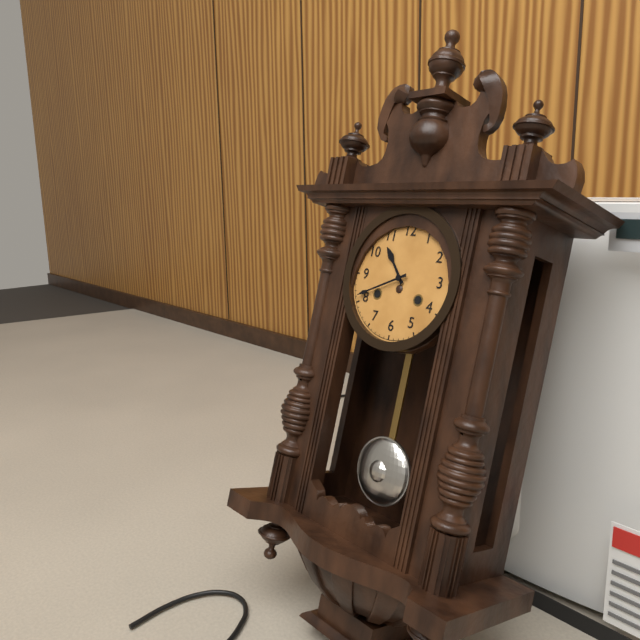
**10:41**
